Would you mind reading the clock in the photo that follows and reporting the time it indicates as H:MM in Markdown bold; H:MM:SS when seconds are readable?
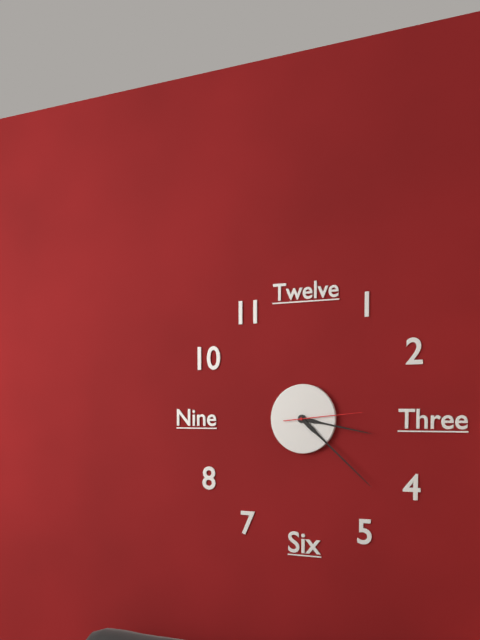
**3:22:14**
